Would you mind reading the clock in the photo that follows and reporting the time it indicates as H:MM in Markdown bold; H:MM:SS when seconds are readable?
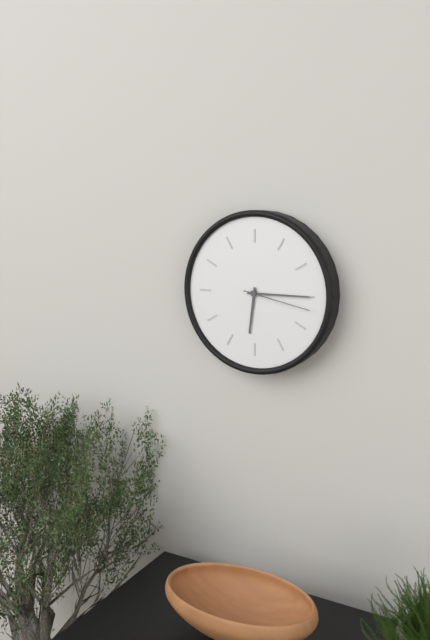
**6:15:17**
